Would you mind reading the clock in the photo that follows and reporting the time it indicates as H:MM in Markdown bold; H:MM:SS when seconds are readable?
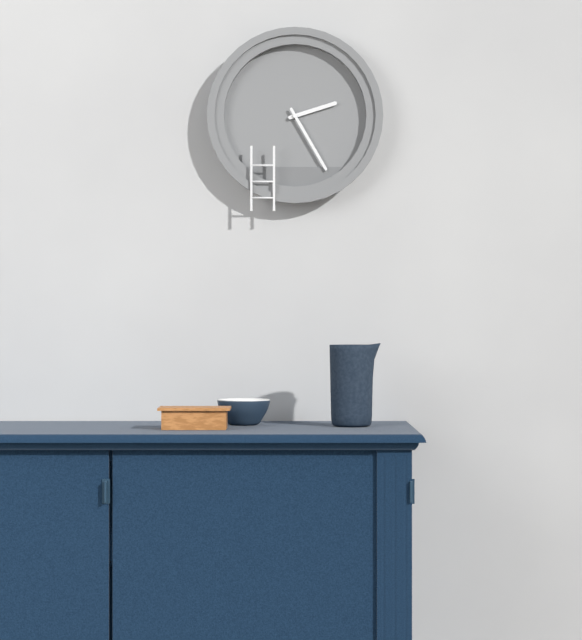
**2:25**
